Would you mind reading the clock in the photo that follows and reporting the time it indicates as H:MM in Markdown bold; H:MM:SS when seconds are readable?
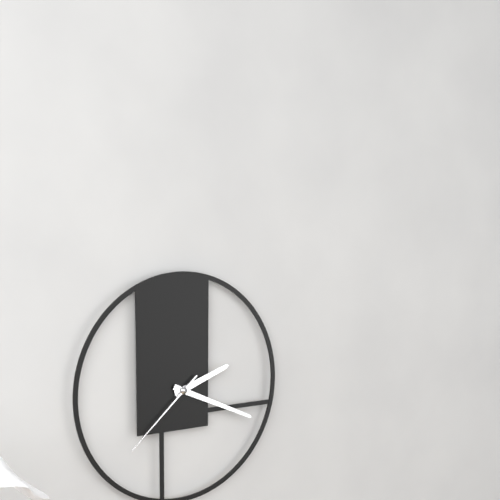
**2:19:38**
